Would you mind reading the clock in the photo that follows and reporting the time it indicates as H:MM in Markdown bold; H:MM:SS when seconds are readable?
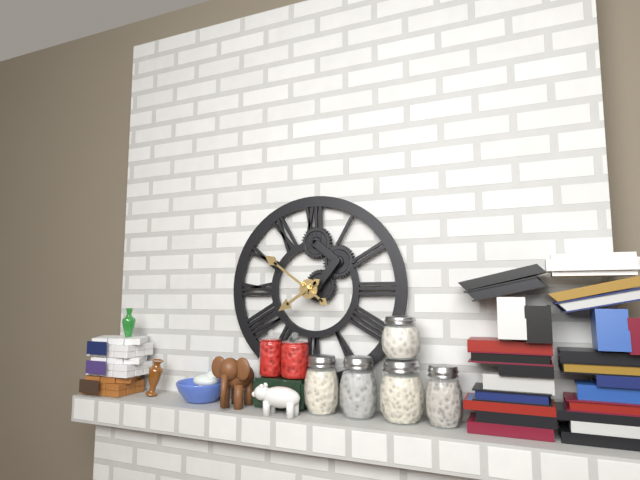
**7:51**
